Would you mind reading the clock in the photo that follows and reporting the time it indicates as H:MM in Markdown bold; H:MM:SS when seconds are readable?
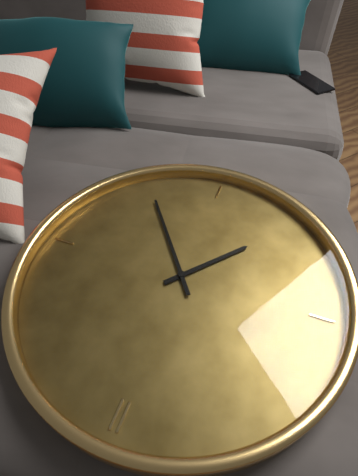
**7:24**
